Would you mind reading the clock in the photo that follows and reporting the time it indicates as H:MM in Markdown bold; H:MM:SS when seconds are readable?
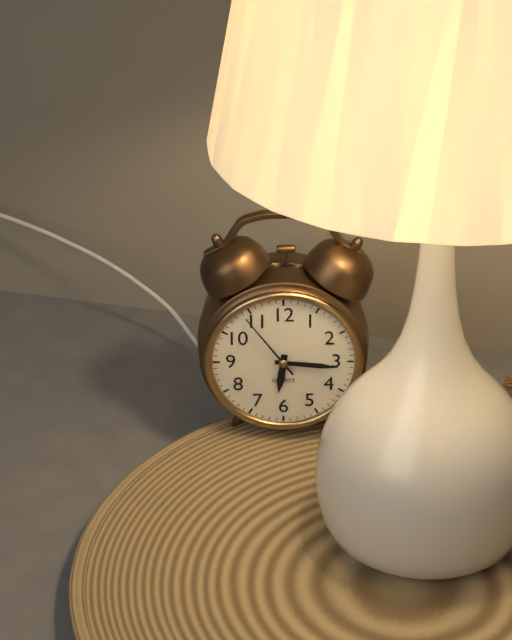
**6:16:54**
